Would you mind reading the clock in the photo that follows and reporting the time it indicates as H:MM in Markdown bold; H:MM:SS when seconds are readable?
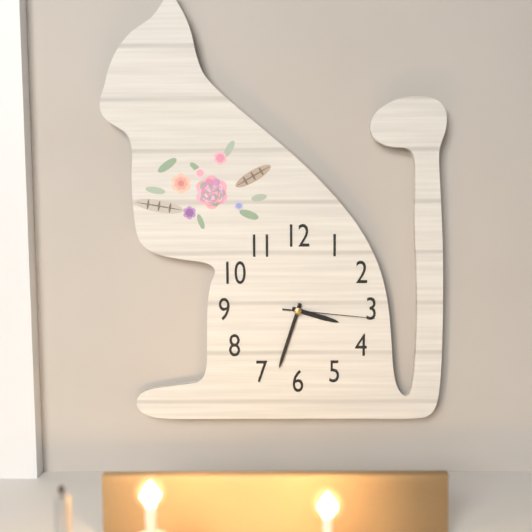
**3:33:16**
